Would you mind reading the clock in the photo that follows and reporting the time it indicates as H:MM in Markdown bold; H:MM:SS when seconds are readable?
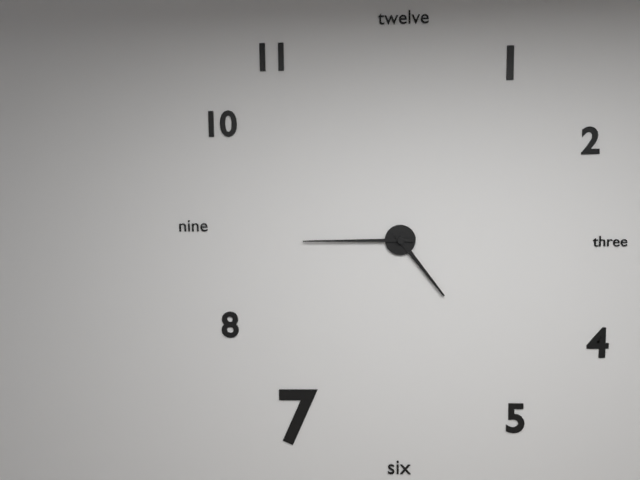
**4:45**
